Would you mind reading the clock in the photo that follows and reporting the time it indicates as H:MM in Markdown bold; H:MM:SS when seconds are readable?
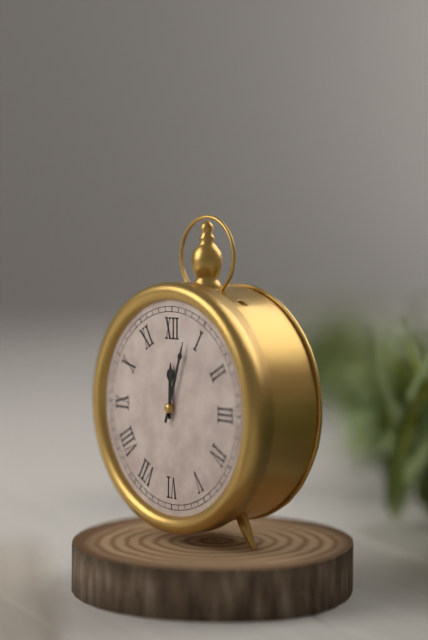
**12:03**
